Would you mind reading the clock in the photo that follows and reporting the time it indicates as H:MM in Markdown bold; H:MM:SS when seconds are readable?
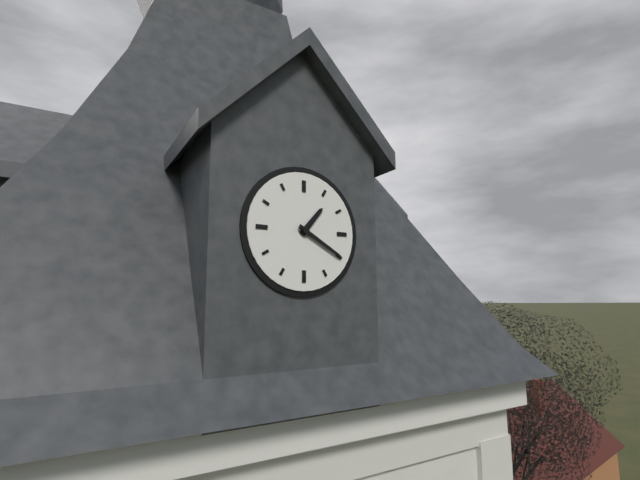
**1:20**
